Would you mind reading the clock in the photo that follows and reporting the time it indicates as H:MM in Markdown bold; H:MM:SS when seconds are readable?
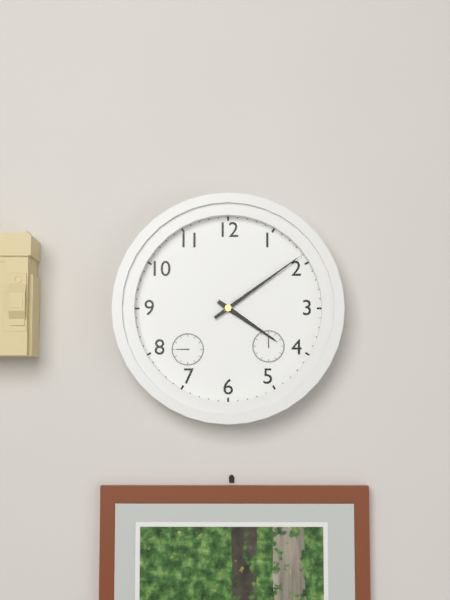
**4:09**
